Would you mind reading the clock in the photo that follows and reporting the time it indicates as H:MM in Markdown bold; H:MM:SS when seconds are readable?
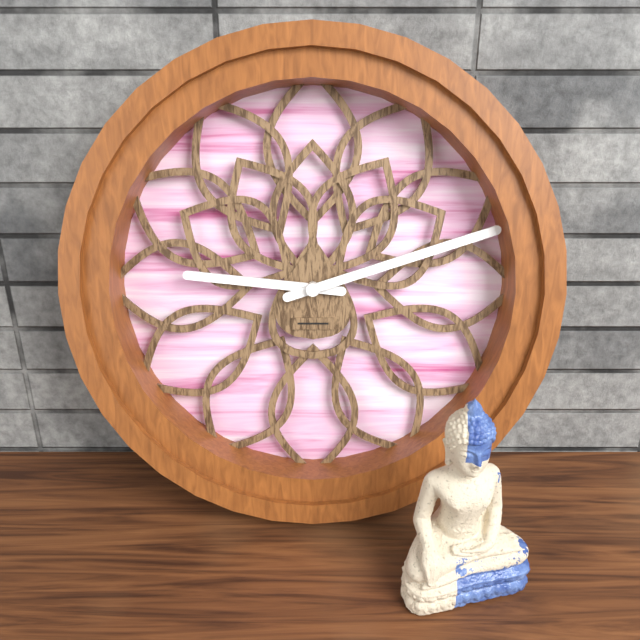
**9:12**
